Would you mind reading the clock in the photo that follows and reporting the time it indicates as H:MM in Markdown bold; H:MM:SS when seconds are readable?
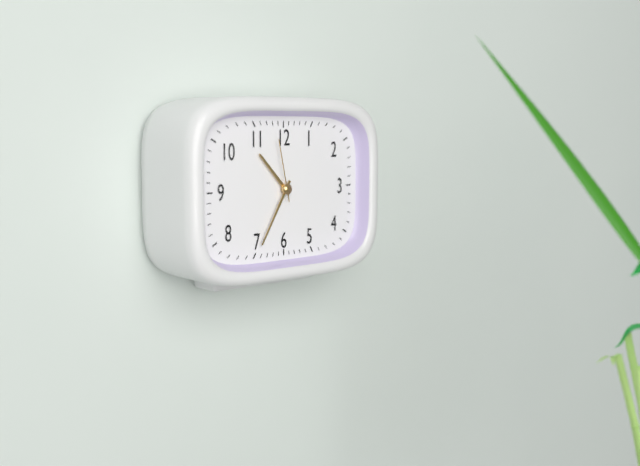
**10:35:58**
